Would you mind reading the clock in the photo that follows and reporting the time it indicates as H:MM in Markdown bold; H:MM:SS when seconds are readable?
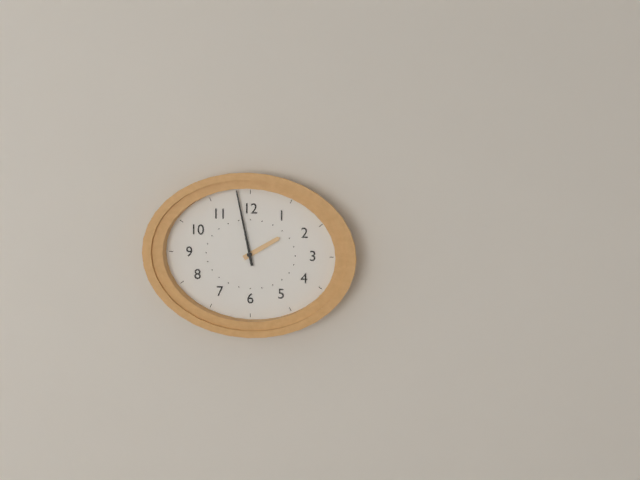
**1:58**
